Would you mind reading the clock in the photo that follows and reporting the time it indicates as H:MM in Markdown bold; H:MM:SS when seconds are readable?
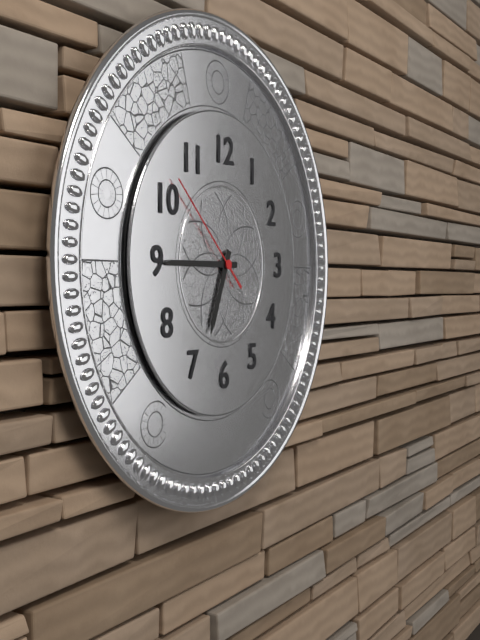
**6:45:52**
